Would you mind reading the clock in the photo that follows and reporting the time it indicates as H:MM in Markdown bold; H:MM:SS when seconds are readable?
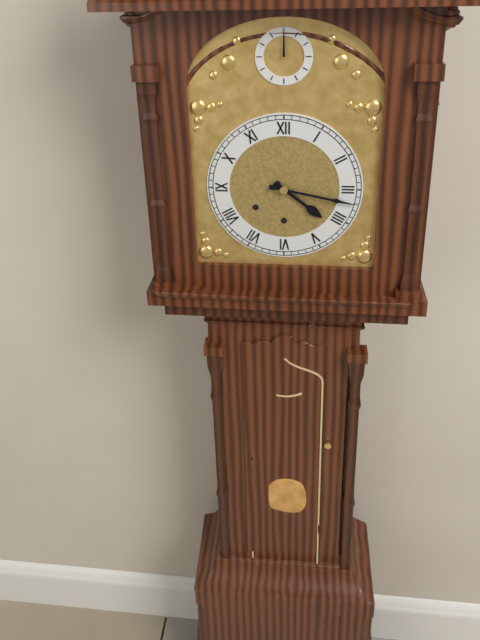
**4:17**
